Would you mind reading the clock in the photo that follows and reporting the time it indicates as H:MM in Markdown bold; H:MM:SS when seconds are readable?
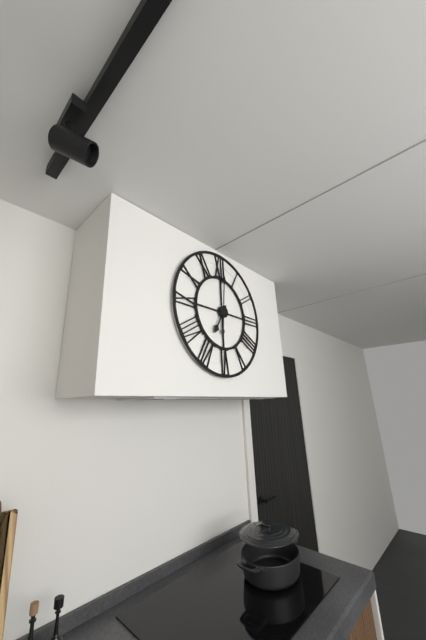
**7:01**
